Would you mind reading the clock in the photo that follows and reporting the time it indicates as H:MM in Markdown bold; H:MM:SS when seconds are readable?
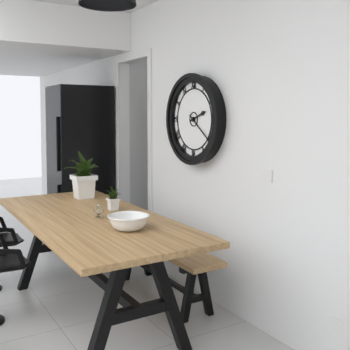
**2:21**
